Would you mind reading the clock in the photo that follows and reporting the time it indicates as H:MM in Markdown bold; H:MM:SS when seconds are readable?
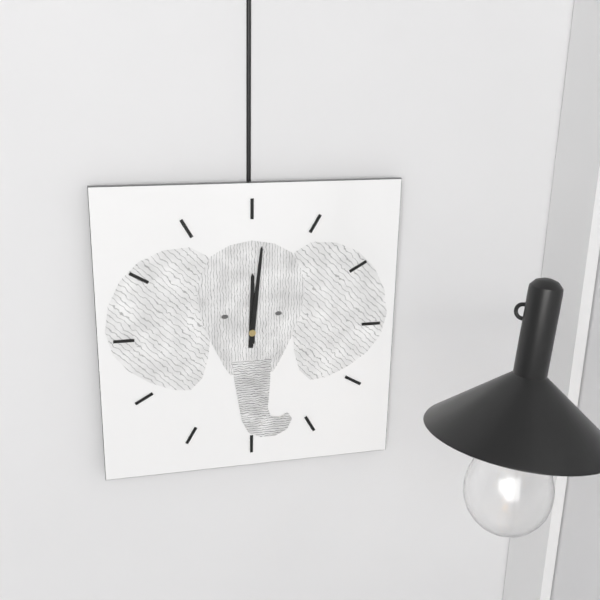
**12:01**
